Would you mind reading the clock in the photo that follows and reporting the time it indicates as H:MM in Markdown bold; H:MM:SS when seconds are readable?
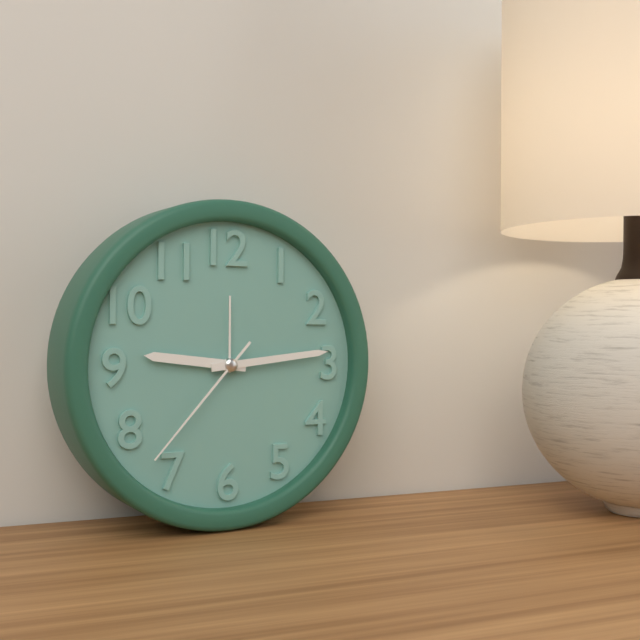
**9:14:37**
